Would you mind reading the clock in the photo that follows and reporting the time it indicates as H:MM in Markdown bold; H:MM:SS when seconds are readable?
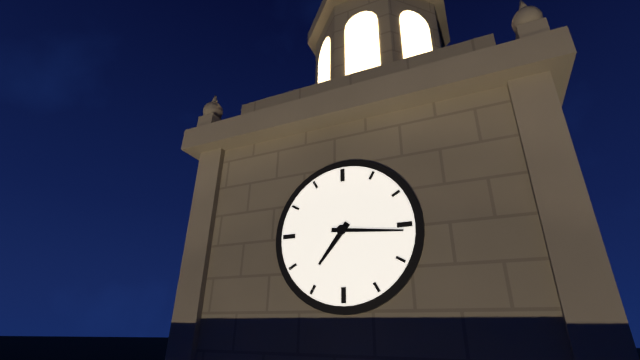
**7:16**
